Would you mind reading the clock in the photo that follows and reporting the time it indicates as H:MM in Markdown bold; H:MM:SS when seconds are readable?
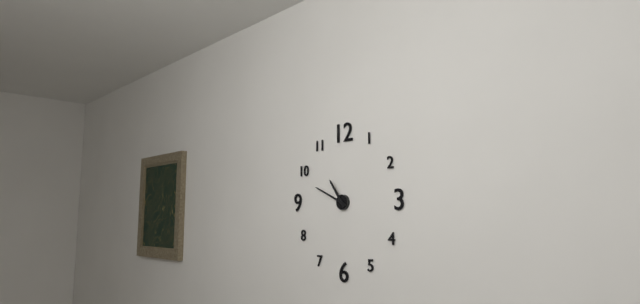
**10:49**
